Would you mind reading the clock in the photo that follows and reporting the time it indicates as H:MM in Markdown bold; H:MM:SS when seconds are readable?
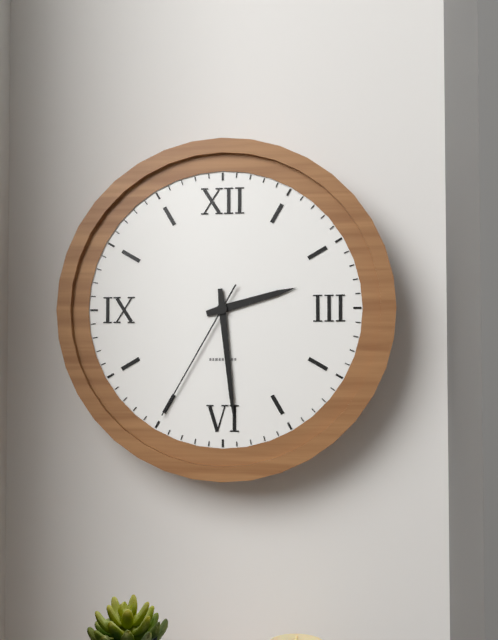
**2:29:35**
